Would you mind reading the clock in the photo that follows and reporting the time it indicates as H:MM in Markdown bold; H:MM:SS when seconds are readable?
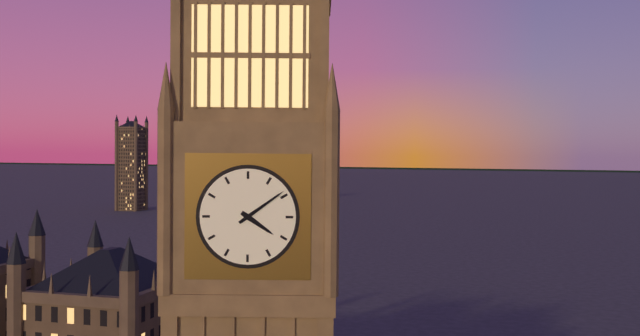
**4:09**
